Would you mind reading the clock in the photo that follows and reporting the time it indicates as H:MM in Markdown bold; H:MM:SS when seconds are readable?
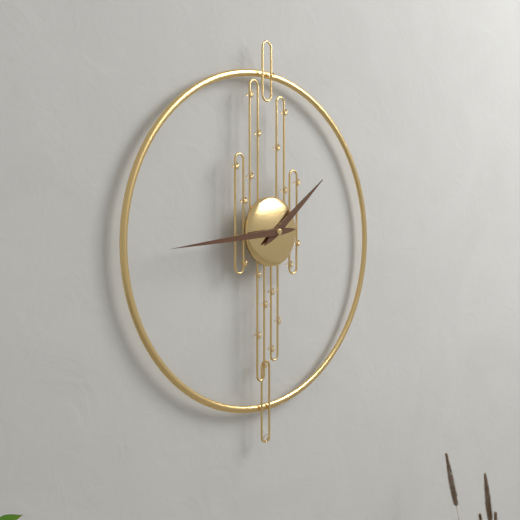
**1:44**
